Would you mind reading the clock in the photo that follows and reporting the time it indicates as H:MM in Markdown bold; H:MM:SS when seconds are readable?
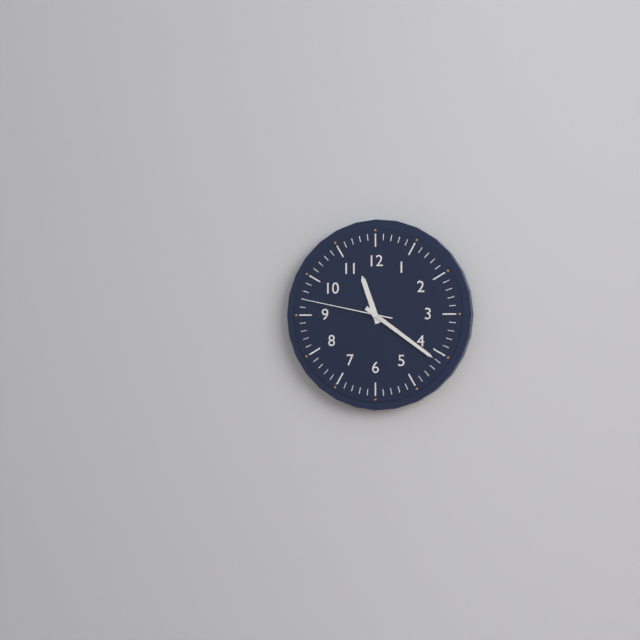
**11:21:47**
